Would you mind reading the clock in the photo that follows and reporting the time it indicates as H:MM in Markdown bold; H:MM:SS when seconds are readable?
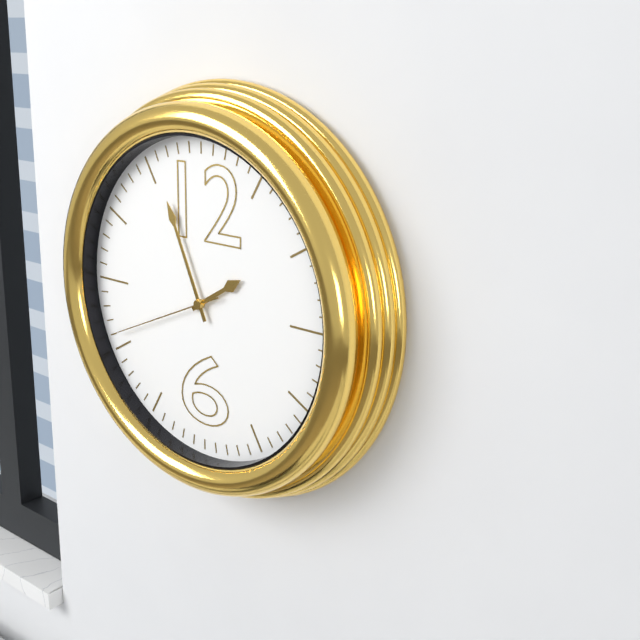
**1:56:41**
